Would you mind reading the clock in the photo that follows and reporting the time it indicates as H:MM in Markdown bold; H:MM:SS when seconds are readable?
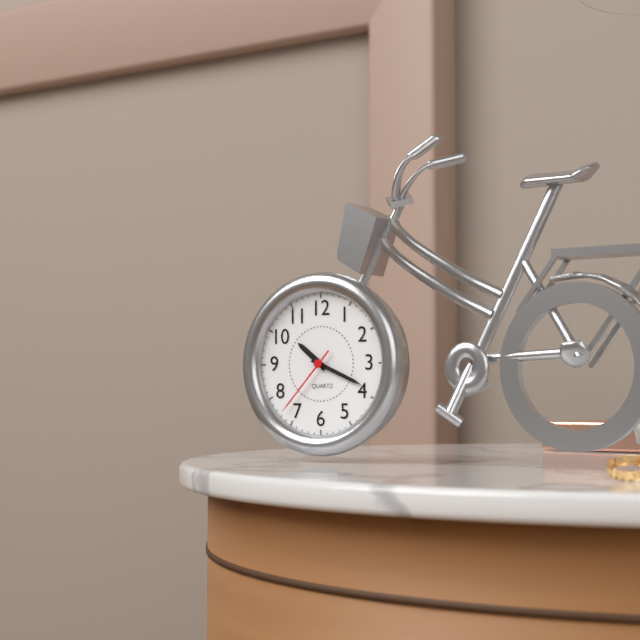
**10:19:37**
